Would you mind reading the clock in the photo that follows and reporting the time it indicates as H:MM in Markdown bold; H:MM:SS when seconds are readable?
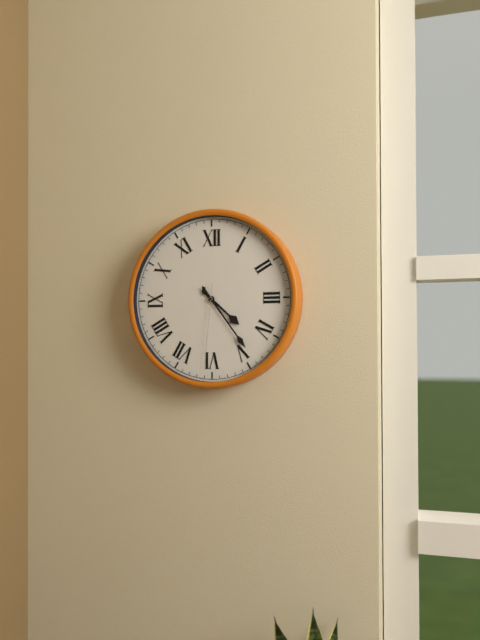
**4:24:31**
